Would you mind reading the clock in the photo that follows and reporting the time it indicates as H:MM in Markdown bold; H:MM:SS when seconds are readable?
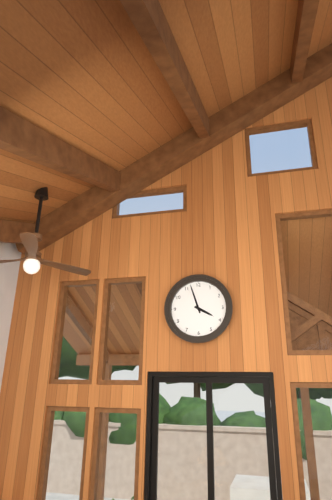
**3:57**
